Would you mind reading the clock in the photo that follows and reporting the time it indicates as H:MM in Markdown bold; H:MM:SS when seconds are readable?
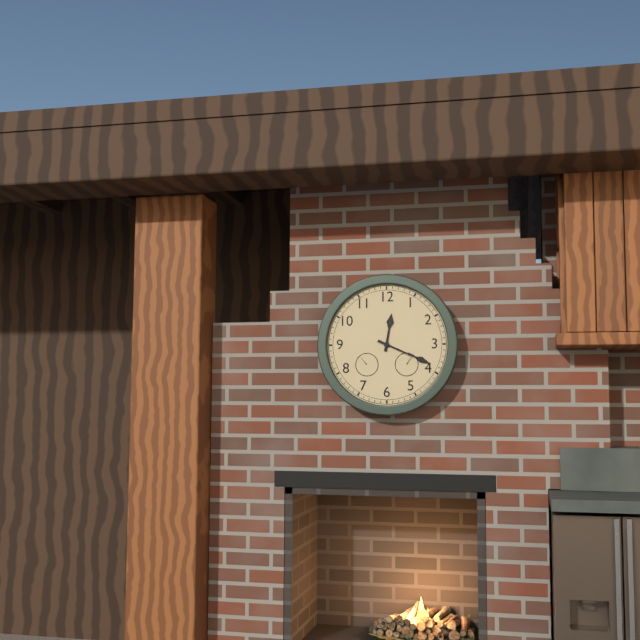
**12:19**
